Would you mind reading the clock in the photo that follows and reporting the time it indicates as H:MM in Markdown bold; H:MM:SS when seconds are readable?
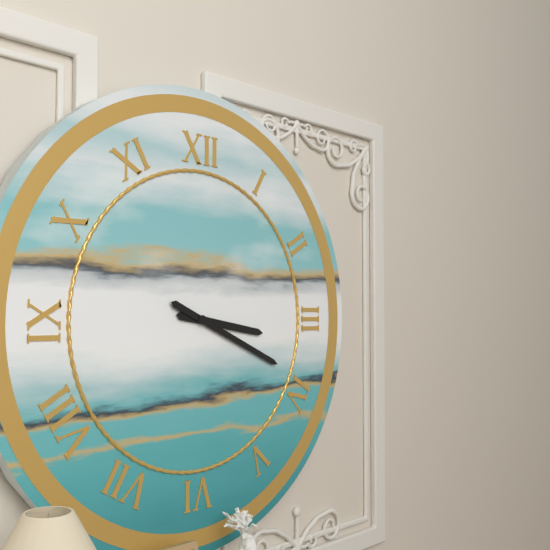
**3:19**
